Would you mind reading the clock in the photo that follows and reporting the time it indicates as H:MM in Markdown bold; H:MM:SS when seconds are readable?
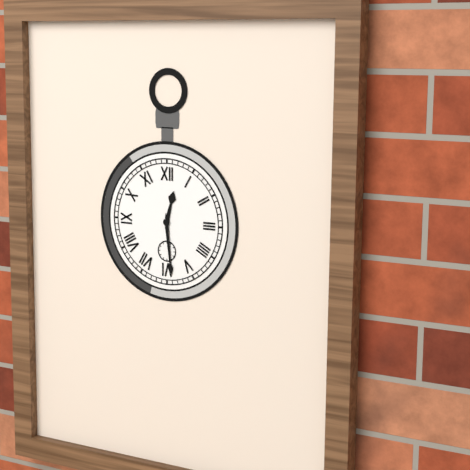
**12:29**
